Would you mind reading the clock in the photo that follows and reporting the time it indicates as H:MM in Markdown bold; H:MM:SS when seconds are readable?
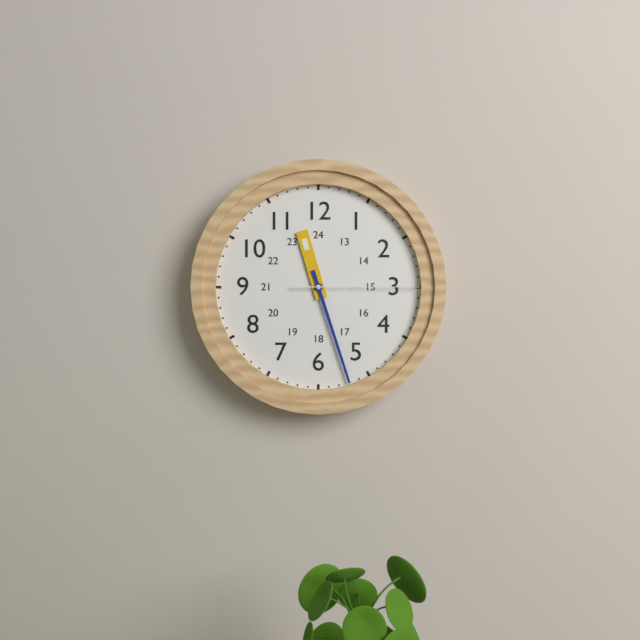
**11:27:15**
